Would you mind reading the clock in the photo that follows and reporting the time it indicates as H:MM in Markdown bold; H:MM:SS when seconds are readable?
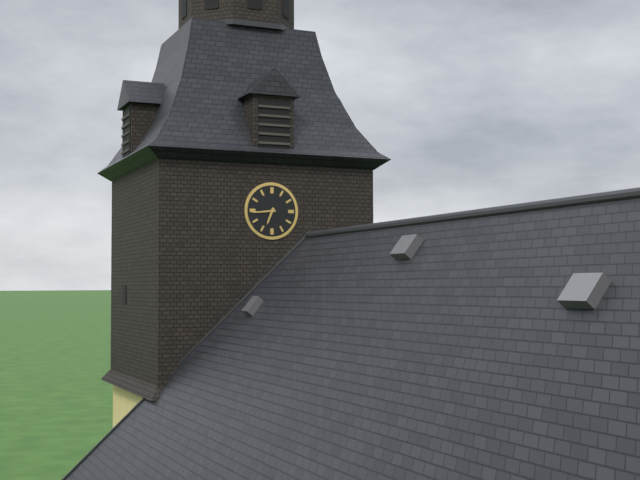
**6:44**
